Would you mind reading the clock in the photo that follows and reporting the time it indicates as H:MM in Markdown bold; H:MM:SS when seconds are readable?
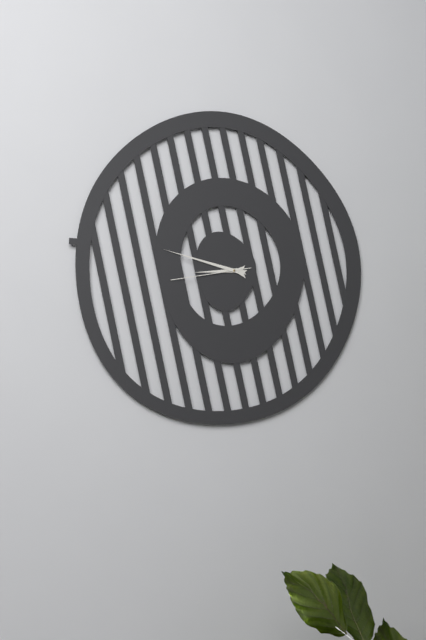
**8:47:43**
